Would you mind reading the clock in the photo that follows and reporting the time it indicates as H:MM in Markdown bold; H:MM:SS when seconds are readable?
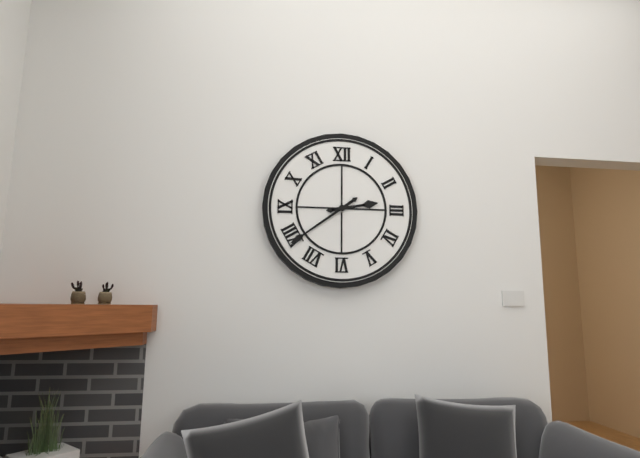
**2:39**
